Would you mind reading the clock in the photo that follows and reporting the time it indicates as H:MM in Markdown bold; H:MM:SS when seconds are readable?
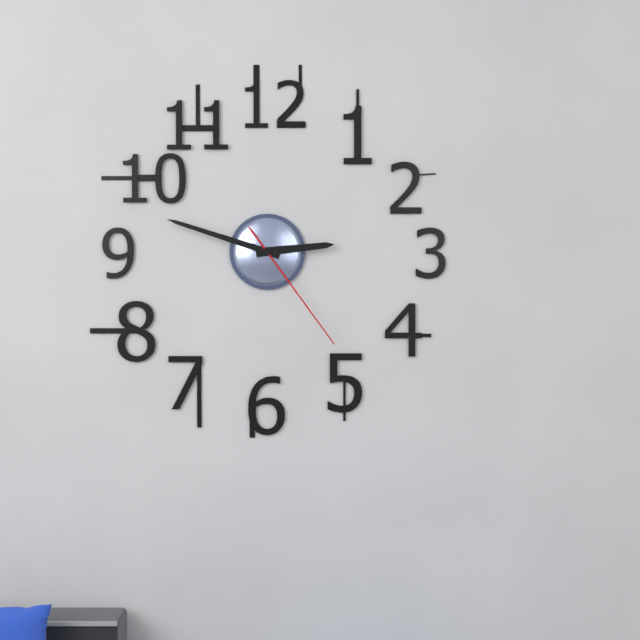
**2:48:24**
